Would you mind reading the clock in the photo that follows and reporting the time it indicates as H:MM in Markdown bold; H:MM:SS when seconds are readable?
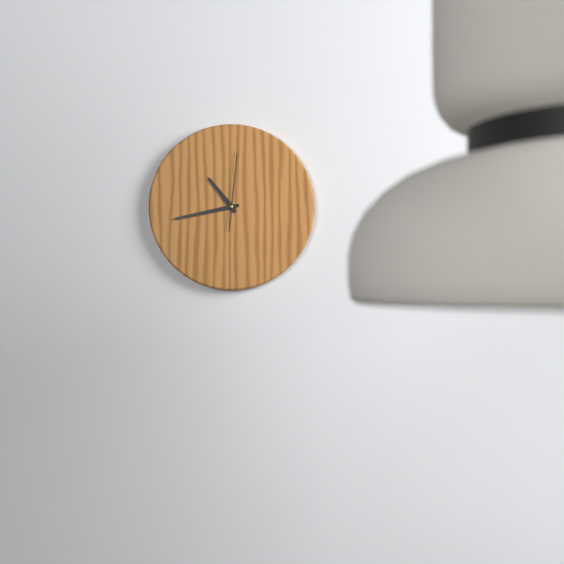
**10:43:01**
